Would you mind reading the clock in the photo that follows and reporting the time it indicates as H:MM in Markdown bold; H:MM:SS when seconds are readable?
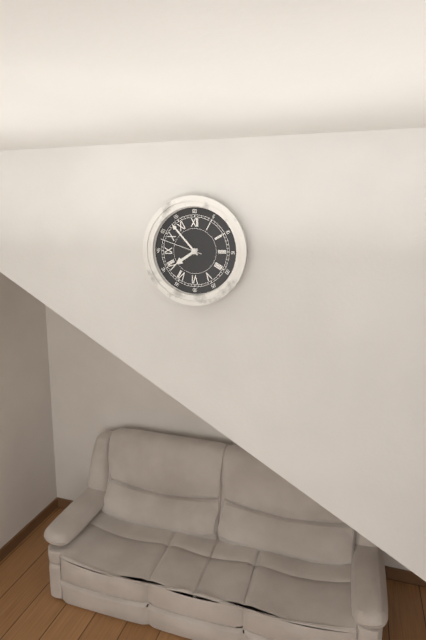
**7:53**
